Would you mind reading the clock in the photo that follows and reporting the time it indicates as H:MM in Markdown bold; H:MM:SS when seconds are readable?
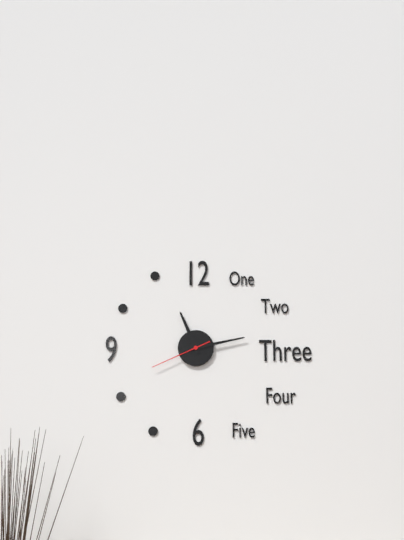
**11:13:41**
